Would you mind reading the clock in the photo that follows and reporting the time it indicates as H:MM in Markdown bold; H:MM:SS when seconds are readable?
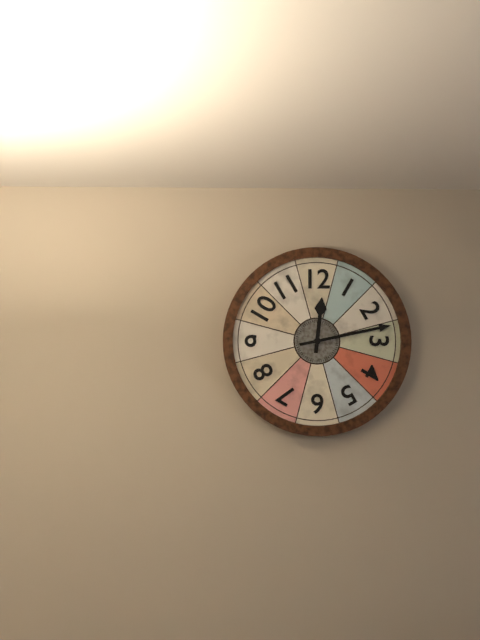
**12:13**
